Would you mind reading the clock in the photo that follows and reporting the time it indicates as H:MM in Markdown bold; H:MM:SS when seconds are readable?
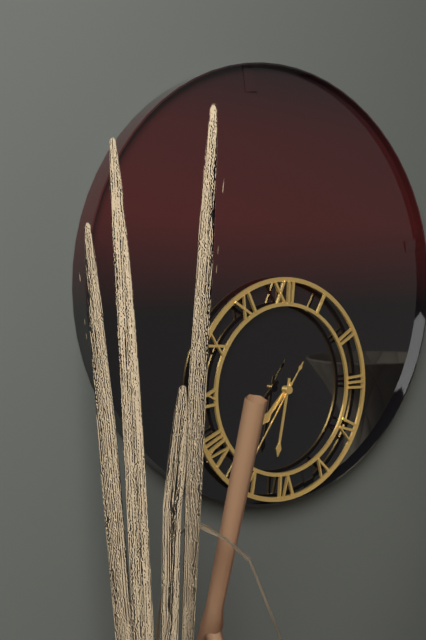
**7:32:36**
